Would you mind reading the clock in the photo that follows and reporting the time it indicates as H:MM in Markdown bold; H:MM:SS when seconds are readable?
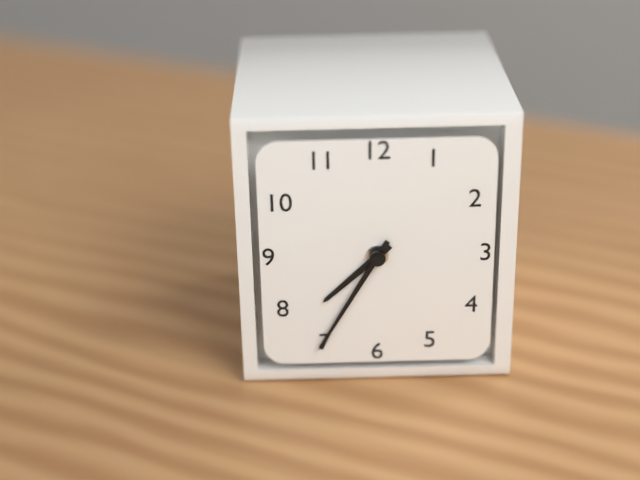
**7:35**
